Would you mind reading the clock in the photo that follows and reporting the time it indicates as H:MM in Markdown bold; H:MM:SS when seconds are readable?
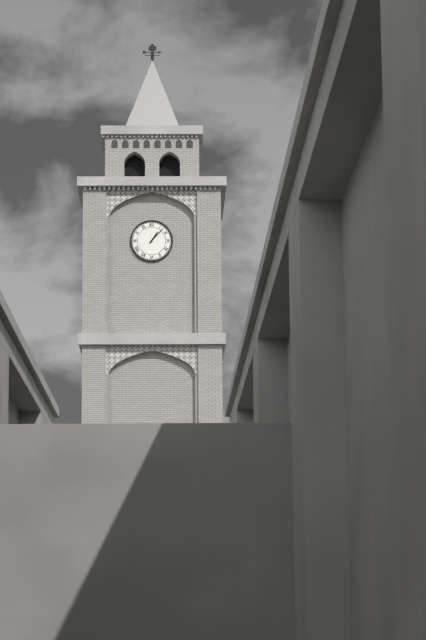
**1:07**
